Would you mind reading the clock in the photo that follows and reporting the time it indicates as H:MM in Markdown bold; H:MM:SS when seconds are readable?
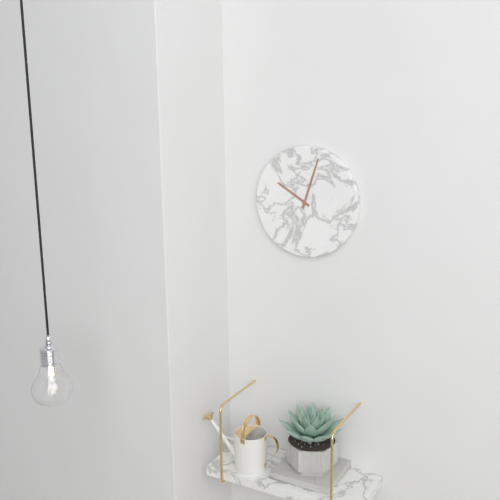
**10:03**
